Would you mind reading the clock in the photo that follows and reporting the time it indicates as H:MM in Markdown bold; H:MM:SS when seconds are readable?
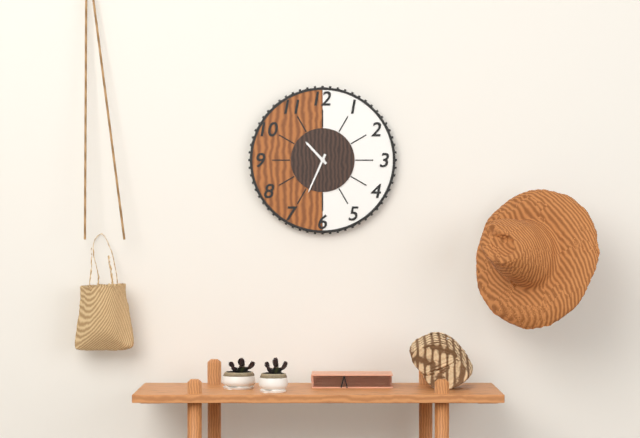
**10:34**
